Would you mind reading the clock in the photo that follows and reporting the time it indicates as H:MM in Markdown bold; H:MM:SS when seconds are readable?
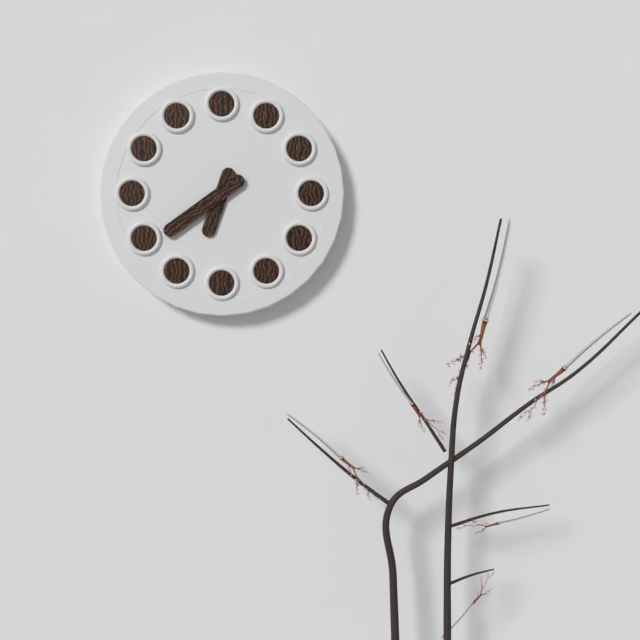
**6:39**
